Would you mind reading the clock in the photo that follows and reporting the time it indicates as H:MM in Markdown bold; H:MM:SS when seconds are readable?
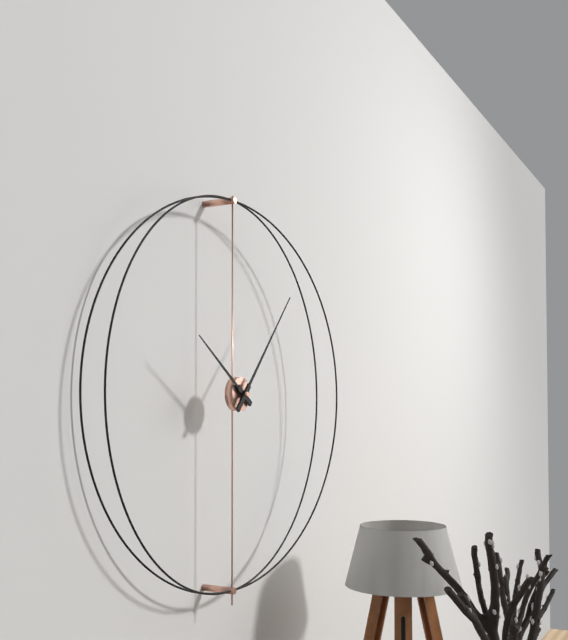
**10:07**
